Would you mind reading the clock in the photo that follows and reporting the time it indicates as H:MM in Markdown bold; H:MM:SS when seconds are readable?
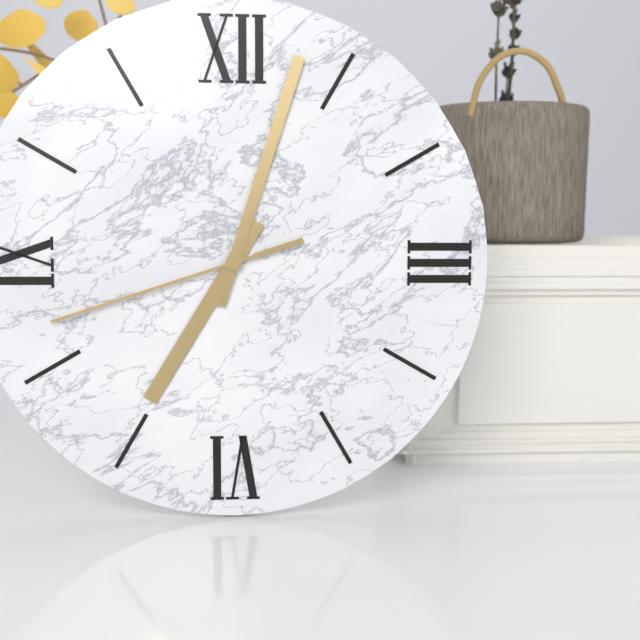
**7:03:42**
